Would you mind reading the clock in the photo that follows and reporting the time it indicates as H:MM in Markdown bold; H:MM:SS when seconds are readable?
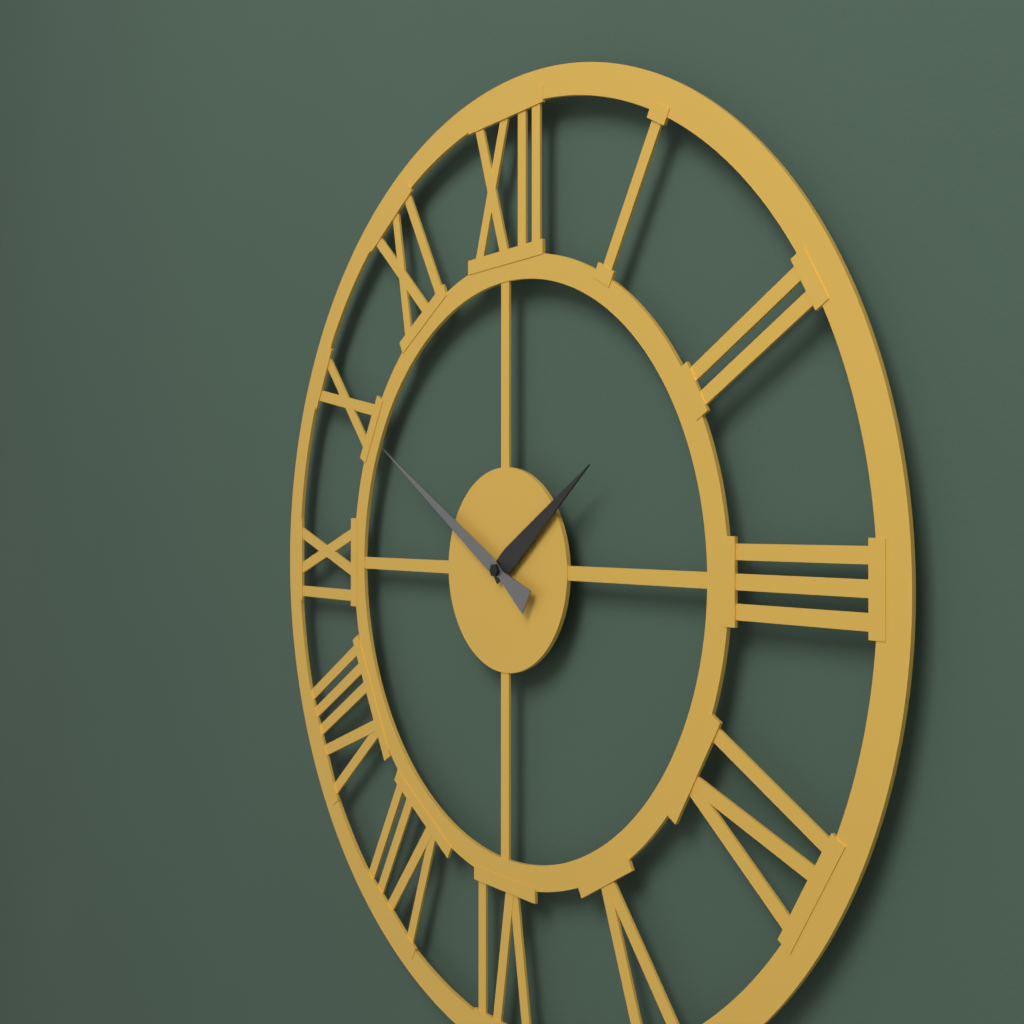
**1:50**
